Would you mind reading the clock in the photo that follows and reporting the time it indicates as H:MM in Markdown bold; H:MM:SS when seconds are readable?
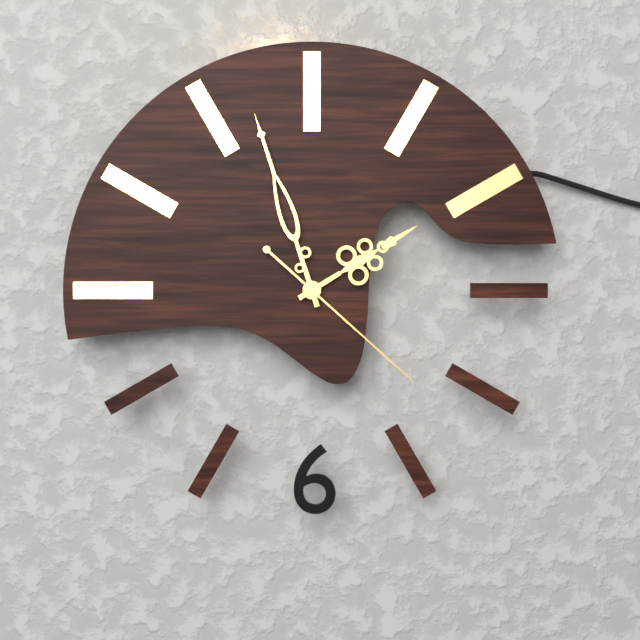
**1:57:22**
